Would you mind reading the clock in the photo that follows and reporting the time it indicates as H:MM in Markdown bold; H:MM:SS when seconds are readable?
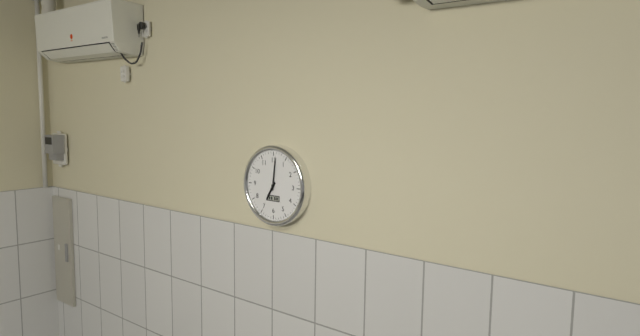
**7:01**
